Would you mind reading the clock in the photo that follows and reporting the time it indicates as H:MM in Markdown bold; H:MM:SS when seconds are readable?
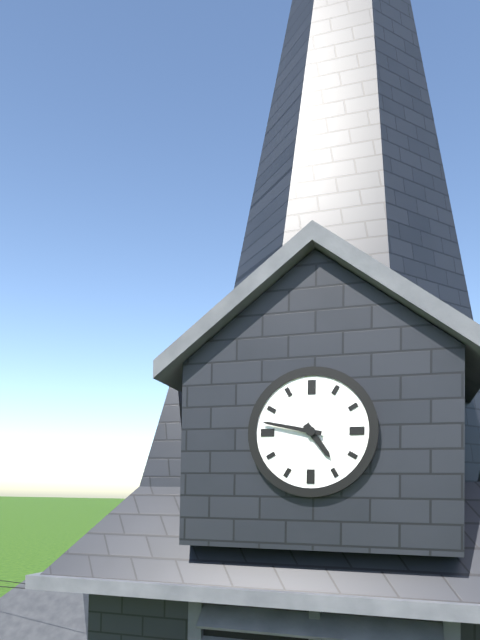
**4:47**
